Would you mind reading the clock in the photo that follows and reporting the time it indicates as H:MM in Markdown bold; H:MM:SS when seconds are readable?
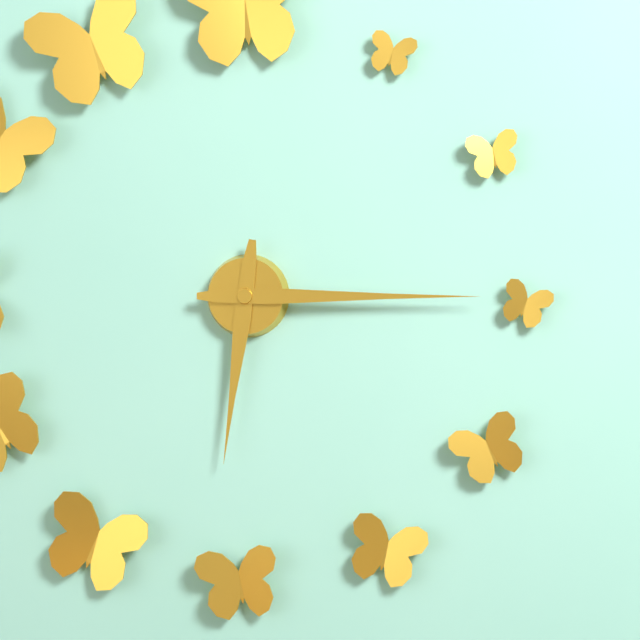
**6:15**
